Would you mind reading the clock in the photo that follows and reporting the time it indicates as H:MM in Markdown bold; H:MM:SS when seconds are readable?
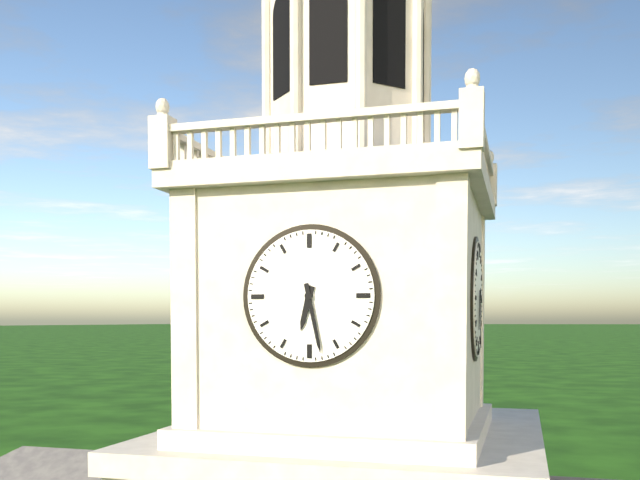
**6:28**
